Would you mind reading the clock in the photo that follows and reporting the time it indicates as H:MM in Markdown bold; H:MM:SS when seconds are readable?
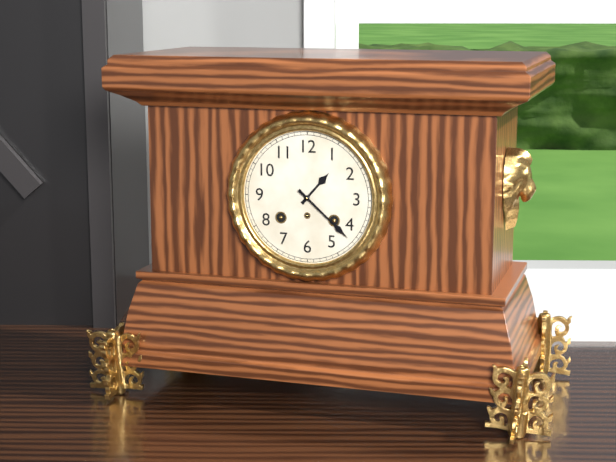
**1:22**
